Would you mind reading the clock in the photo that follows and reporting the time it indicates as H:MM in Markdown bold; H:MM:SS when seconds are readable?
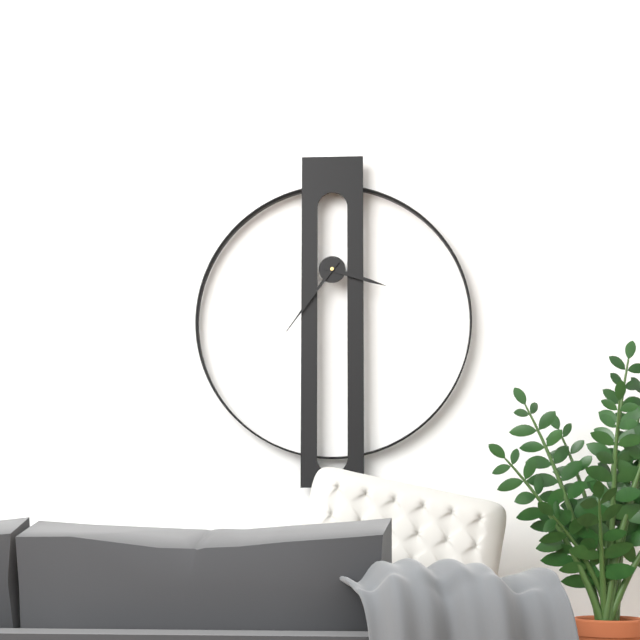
**3:36**
